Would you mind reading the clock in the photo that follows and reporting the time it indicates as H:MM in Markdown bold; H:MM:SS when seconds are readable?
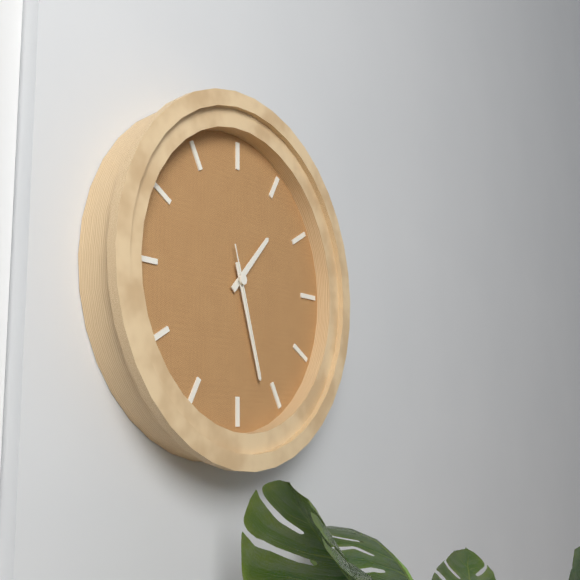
**1:27:27**
